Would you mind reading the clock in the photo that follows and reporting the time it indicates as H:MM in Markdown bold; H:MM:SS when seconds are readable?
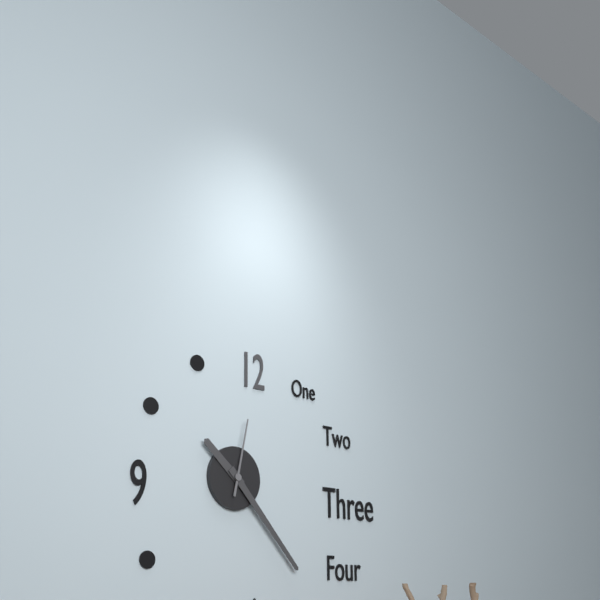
**10:23:02**
